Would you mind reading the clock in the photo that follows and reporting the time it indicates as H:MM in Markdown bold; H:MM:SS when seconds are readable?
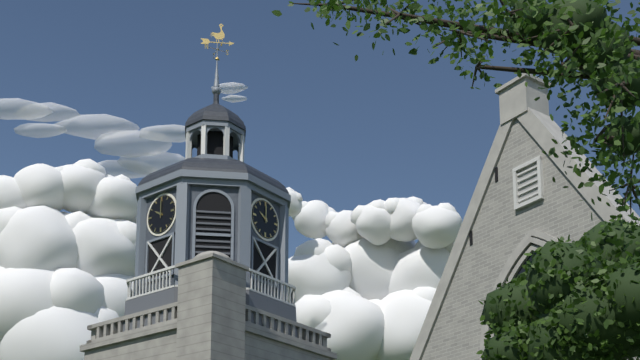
**10:00**
